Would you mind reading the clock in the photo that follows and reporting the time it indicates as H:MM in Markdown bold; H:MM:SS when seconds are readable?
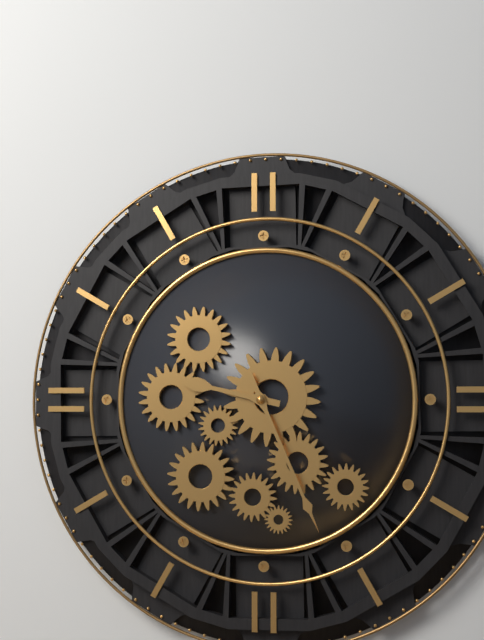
**9:26**
